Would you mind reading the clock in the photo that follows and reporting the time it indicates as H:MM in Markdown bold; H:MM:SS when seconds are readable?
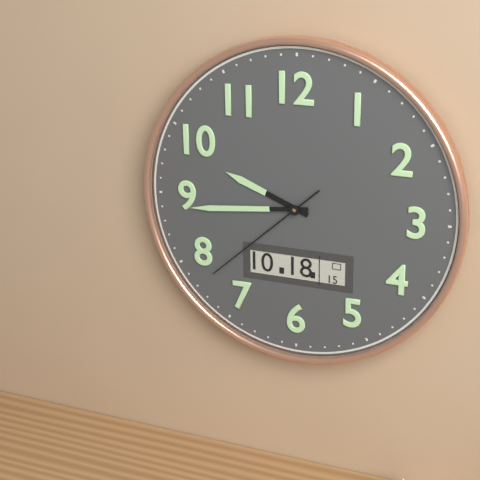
**9:44:38**
